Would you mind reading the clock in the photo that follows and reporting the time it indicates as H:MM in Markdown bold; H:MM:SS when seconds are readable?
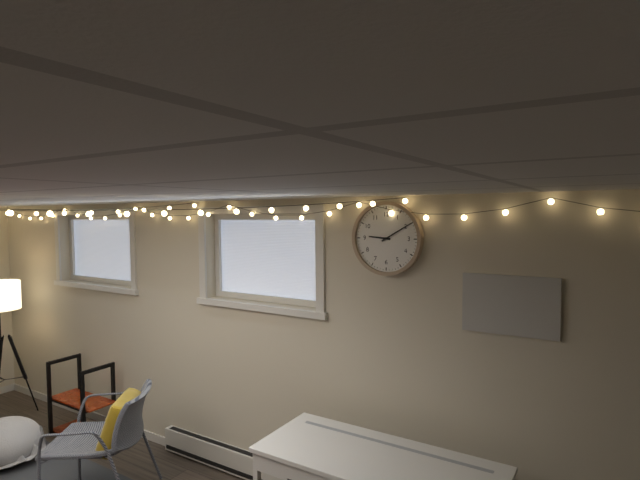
**9:10**
